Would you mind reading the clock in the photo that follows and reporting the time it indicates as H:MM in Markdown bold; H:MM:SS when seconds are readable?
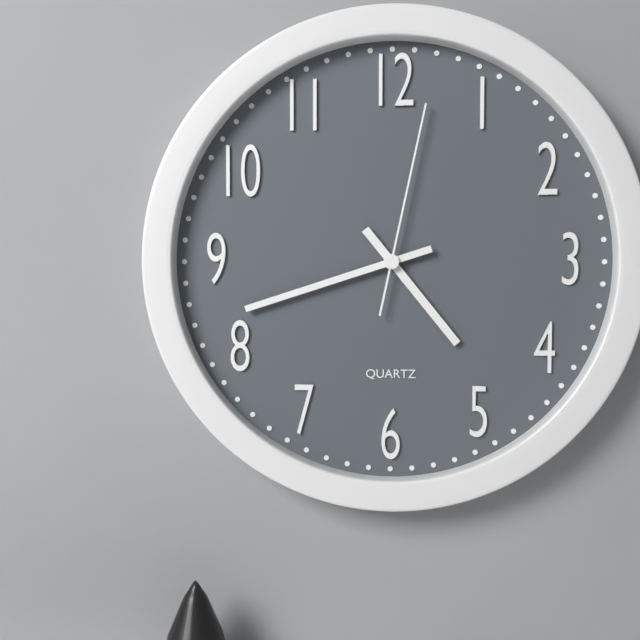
**4:42:02**
